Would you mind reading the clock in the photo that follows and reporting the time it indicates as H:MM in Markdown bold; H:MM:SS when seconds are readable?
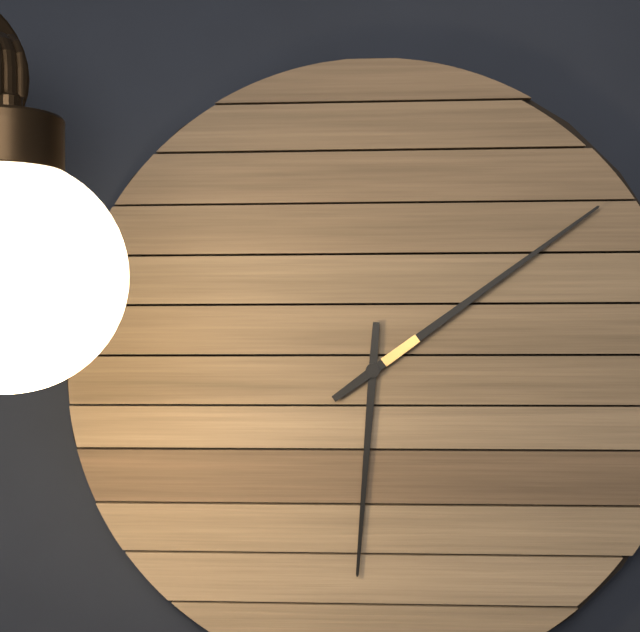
**6:09**
